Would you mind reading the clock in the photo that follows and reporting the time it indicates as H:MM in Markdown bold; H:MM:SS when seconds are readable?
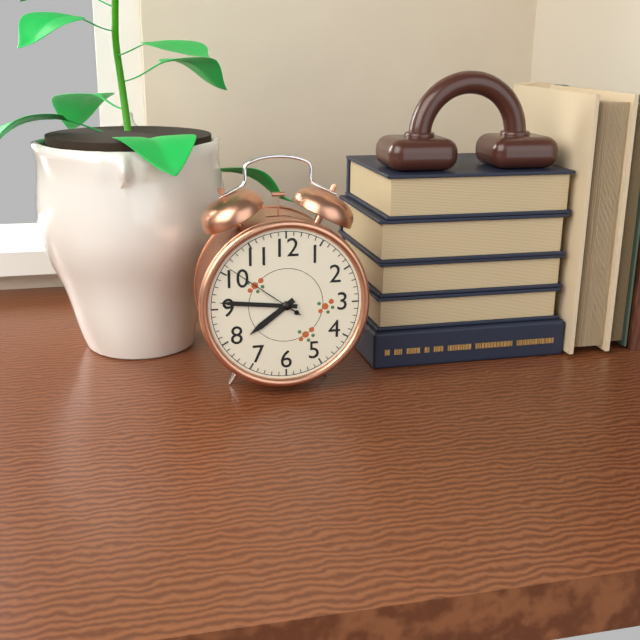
**7:46:51**
